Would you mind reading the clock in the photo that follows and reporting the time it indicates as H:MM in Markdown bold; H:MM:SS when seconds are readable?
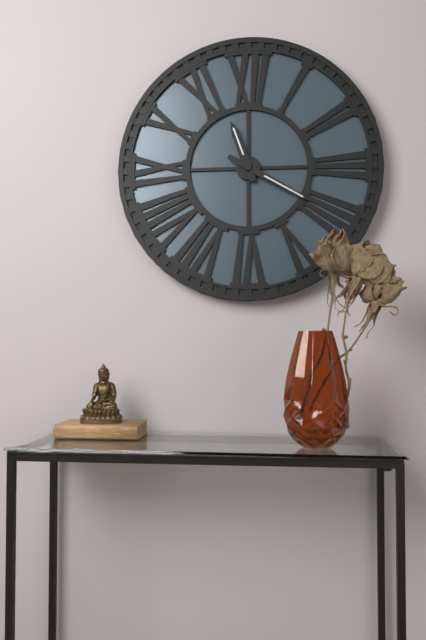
**11:20**
